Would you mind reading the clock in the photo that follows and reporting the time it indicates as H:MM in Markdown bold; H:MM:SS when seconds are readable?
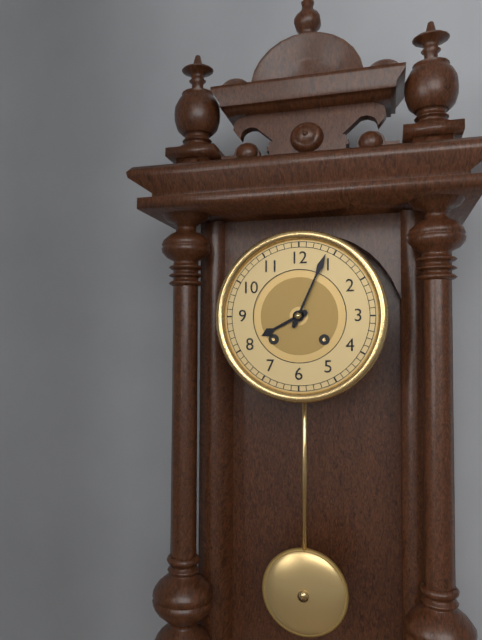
**8:04**
